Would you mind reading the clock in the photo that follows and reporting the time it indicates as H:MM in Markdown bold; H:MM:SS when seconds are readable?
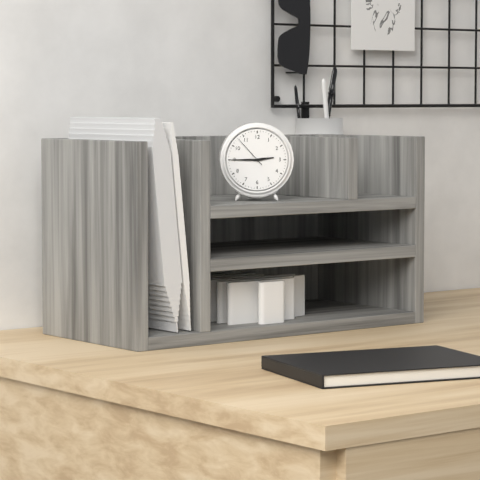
**2:45**
